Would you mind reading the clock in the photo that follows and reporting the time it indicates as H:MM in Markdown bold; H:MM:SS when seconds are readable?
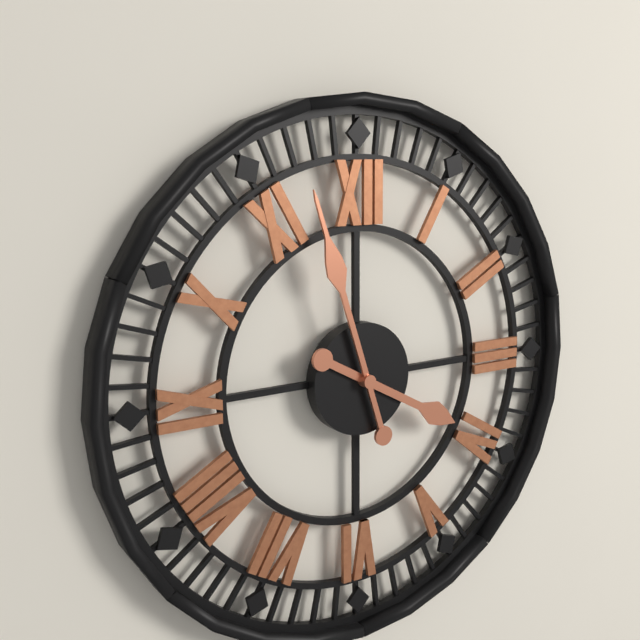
**3:57**
